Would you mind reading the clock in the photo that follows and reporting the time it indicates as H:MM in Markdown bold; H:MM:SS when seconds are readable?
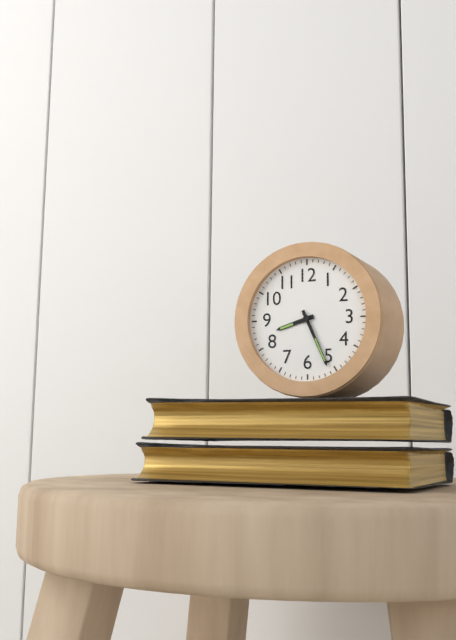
**8:26**
